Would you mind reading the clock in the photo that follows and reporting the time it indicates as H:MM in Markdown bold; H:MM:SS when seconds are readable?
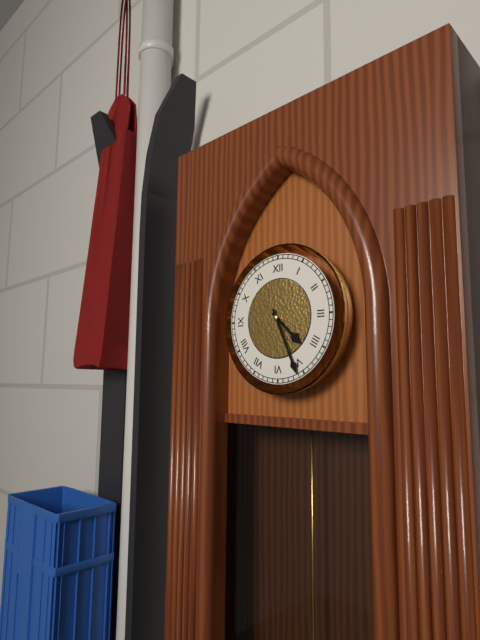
**4:26**
